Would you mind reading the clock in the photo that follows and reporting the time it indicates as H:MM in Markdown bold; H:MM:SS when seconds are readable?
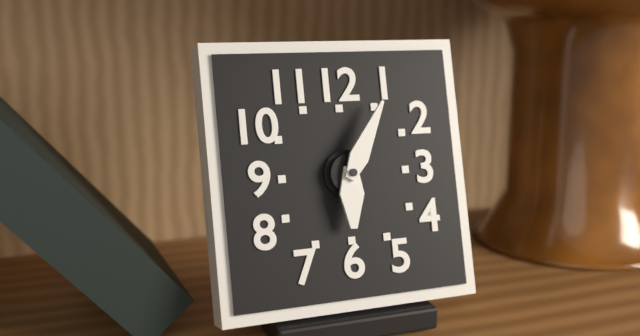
**6:05**
